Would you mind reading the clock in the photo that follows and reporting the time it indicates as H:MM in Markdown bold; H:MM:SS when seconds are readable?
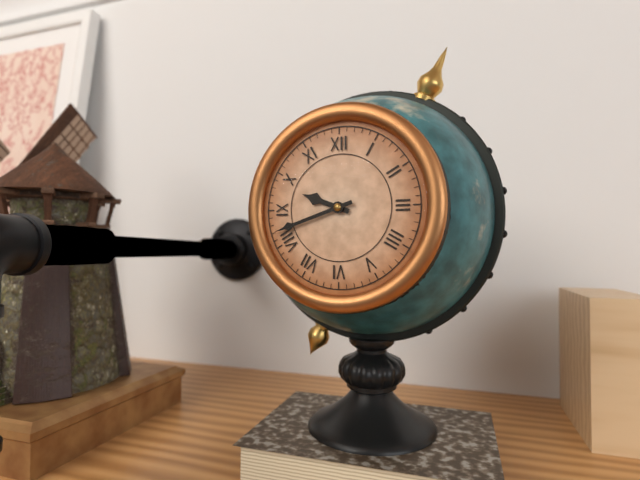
**9:42**
